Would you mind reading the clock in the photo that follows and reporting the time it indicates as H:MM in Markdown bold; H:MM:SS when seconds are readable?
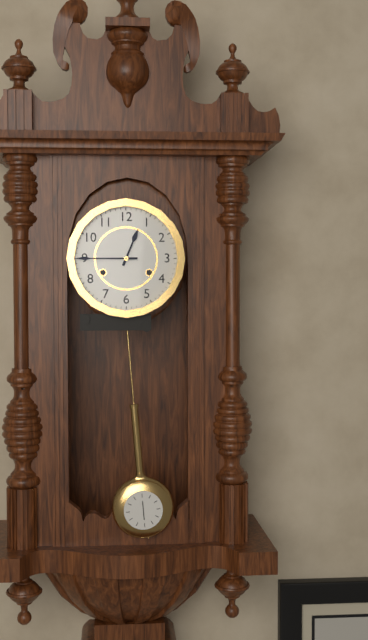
**12:45**
